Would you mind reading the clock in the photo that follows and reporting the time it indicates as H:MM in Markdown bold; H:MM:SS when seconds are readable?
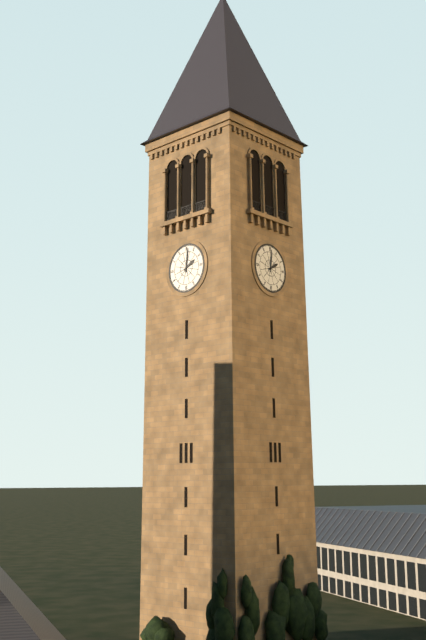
**2:01**
